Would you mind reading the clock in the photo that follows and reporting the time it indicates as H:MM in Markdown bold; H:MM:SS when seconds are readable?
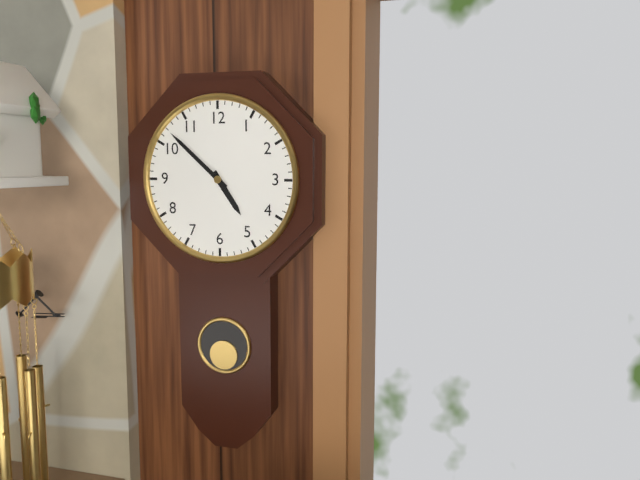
**4:52**
